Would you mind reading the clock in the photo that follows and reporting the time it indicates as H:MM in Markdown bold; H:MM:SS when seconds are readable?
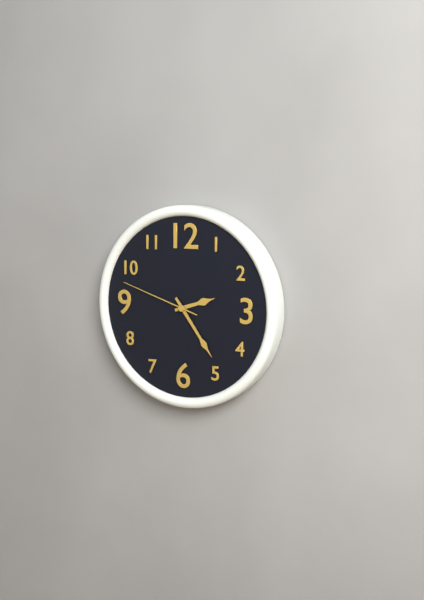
**2:24:48**
